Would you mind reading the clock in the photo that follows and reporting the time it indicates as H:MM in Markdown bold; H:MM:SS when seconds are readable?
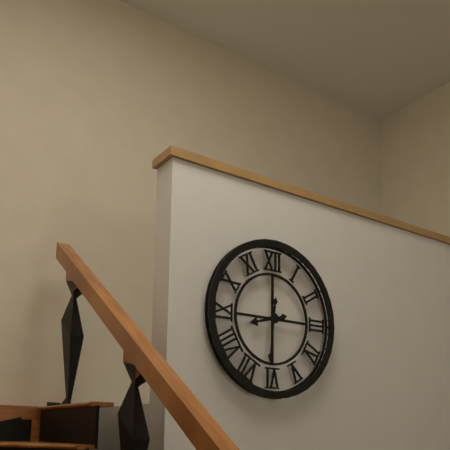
**8:31**
